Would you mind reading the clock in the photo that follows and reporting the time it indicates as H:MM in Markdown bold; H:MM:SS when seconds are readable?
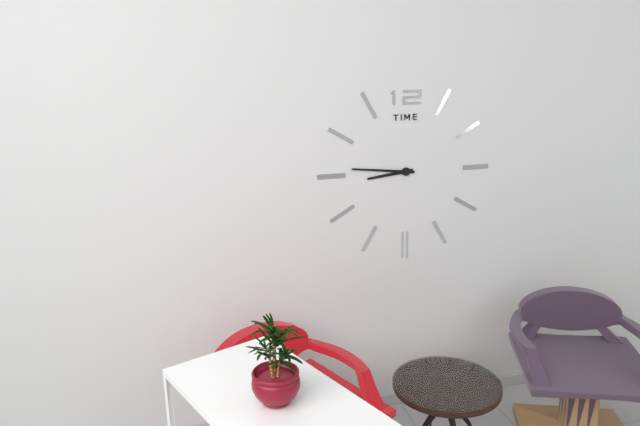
**8:46**
